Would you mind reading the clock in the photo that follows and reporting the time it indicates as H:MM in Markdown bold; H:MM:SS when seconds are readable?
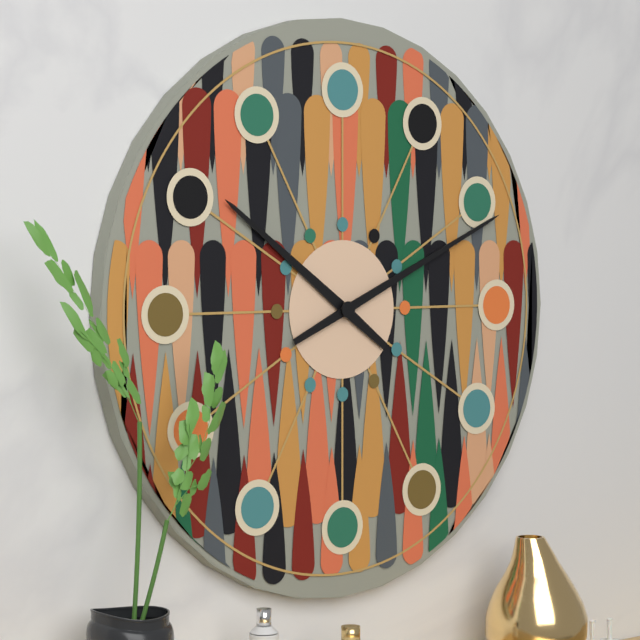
**10:11**
